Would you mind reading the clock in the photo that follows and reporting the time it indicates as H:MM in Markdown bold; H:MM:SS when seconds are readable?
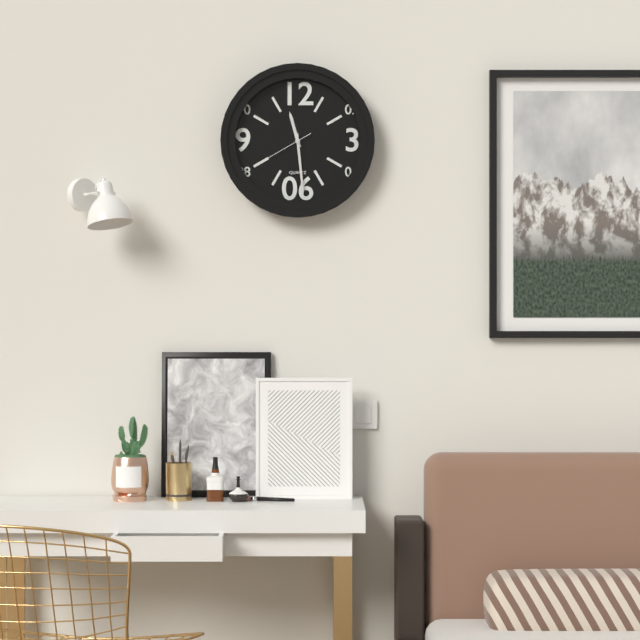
**11:29**
